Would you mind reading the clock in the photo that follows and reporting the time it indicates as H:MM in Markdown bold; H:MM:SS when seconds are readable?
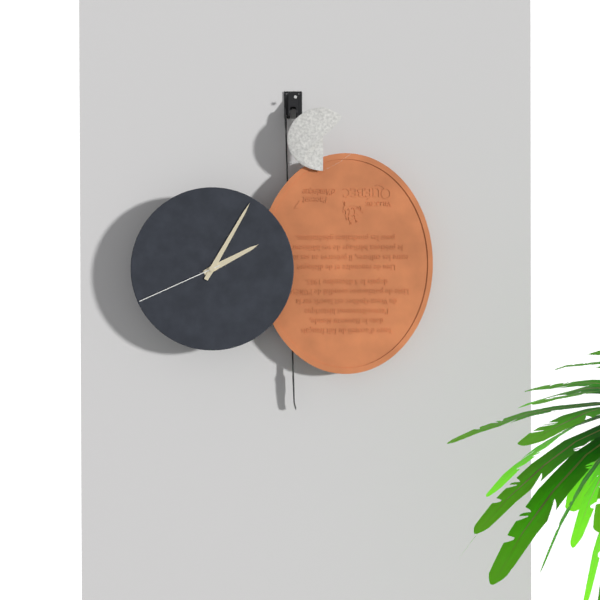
**2:05:41**
